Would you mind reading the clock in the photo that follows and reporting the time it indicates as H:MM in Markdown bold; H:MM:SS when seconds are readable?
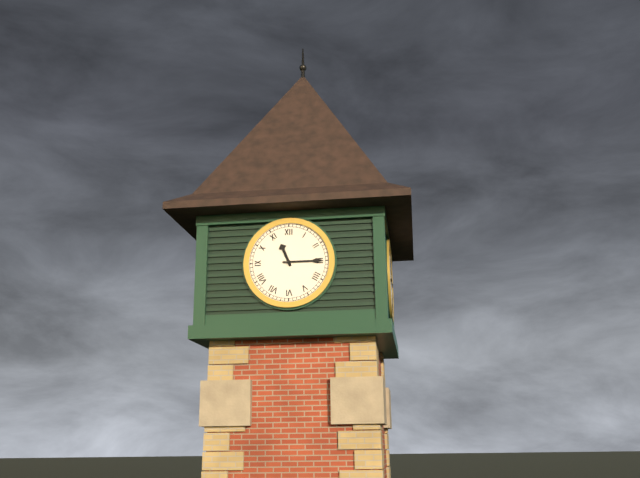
**11:15**
